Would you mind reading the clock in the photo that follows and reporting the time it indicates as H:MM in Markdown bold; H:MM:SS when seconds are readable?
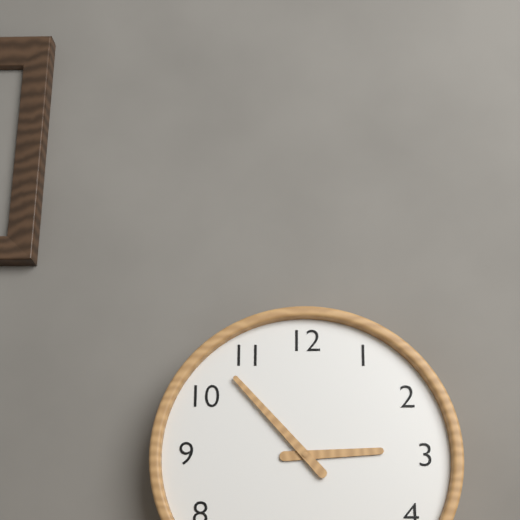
**2:53**
